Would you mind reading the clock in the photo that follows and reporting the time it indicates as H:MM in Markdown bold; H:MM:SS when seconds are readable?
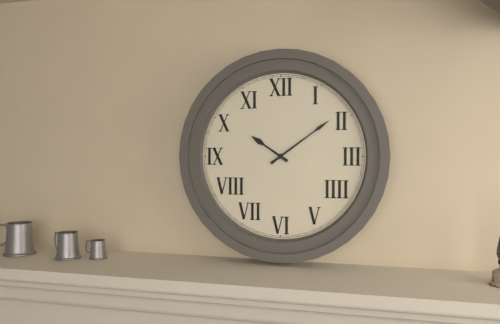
**10:09**
